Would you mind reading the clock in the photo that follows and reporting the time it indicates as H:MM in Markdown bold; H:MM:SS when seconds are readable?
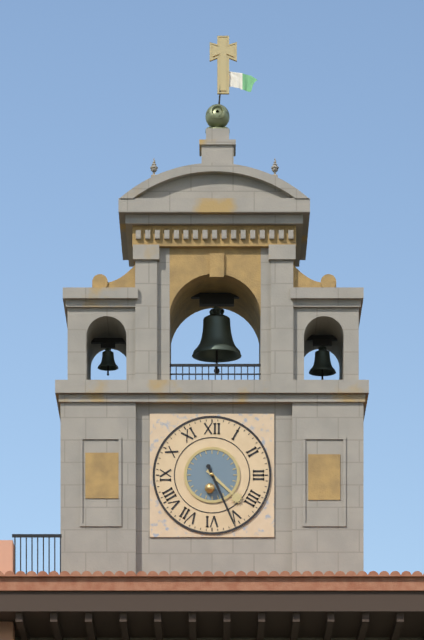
**4:26**
